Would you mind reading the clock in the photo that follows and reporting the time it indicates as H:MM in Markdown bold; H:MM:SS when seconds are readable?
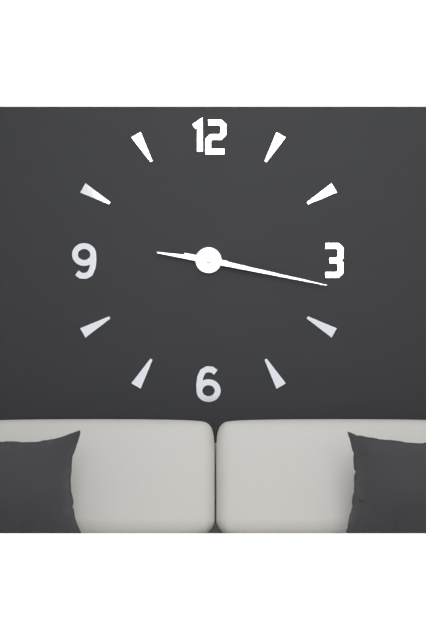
**9:17**
